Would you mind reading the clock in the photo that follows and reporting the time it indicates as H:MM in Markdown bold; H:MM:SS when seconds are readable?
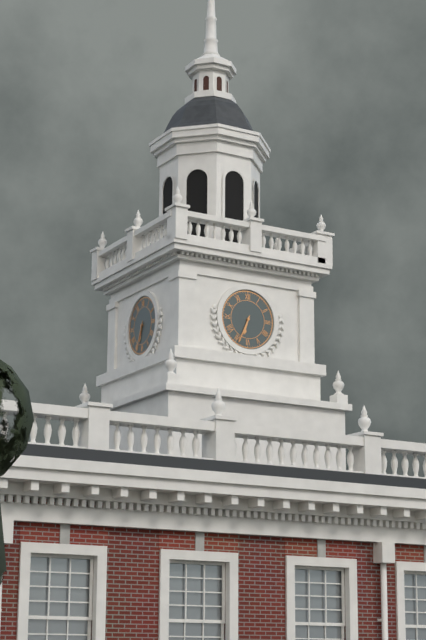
**6:34**
